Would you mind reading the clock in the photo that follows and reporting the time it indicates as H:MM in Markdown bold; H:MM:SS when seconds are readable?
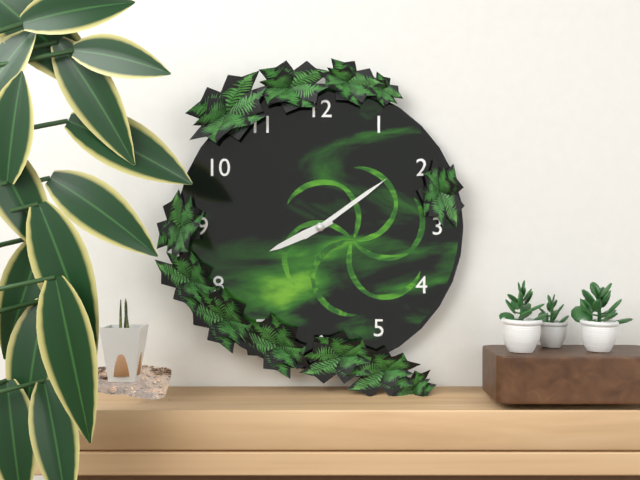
**8:09**
